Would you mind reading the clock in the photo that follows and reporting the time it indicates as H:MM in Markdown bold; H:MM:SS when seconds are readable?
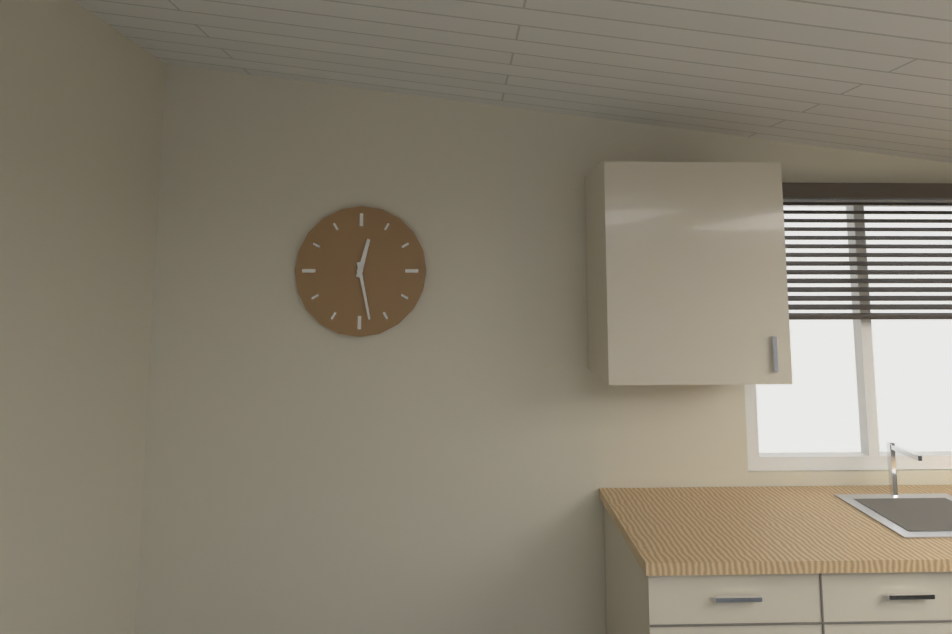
**12:28**
